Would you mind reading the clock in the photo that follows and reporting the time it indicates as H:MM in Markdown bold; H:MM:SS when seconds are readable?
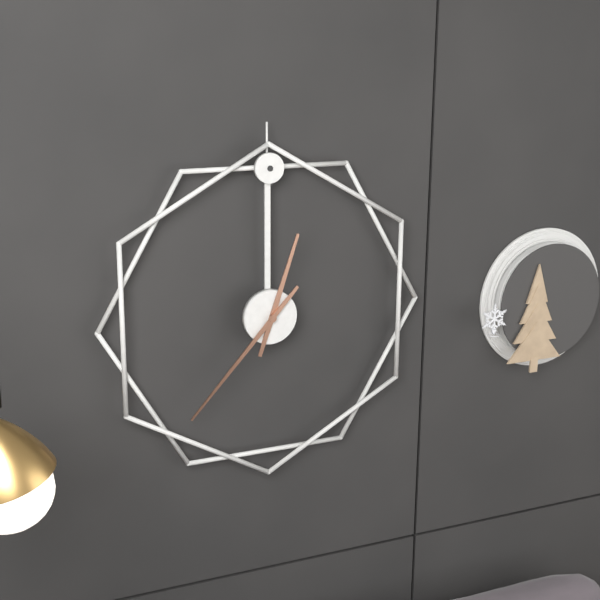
**12:37**
